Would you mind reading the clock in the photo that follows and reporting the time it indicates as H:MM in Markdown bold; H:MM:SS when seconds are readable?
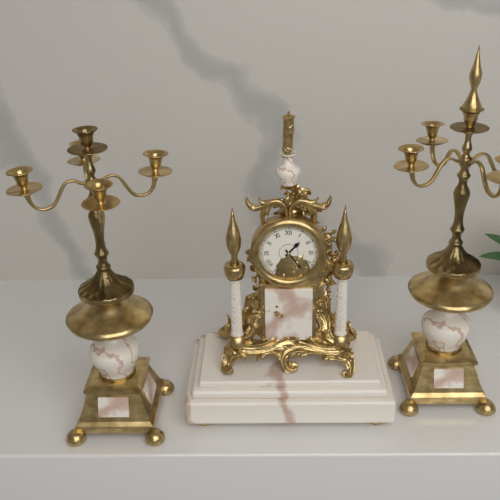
**1:24**
